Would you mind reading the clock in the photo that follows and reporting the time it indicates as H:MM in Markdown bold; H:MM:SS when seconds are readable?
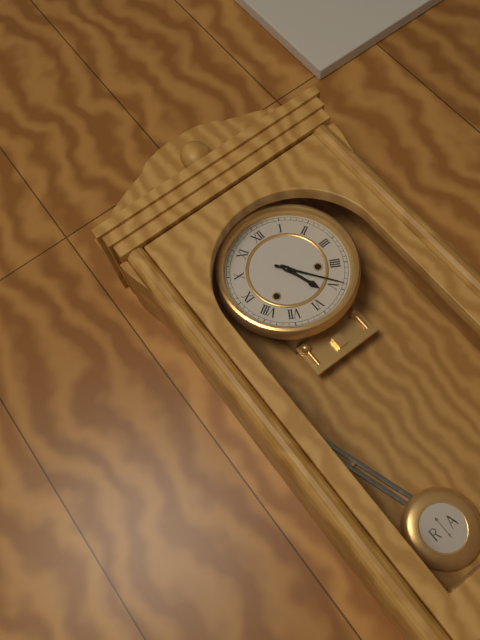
**5:24**
